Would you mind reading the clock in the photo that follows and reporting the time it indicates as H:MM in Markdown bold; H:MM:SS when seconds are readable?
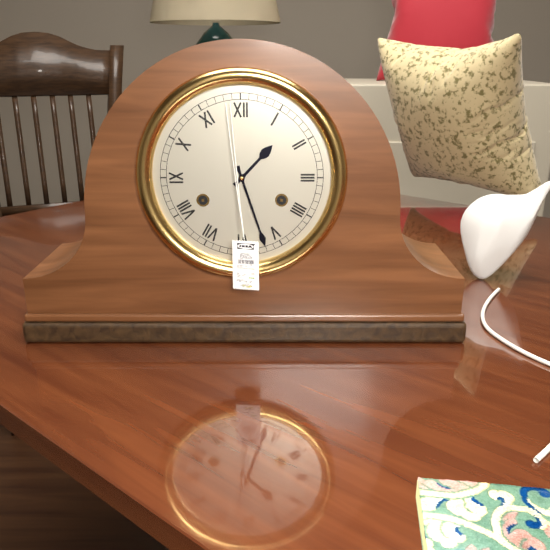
**1:27**
